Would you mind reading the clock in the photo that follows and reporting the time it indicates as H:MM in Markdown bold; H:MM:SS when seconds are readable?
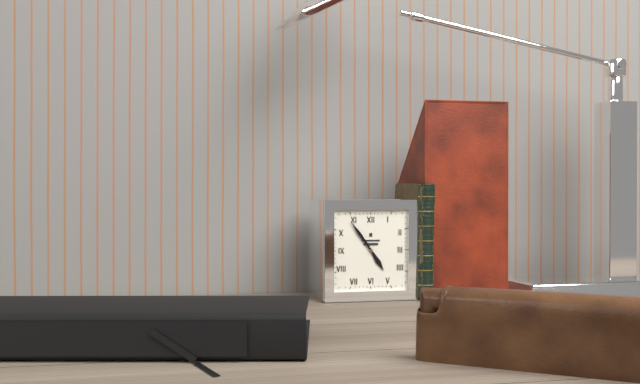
**4:54**
